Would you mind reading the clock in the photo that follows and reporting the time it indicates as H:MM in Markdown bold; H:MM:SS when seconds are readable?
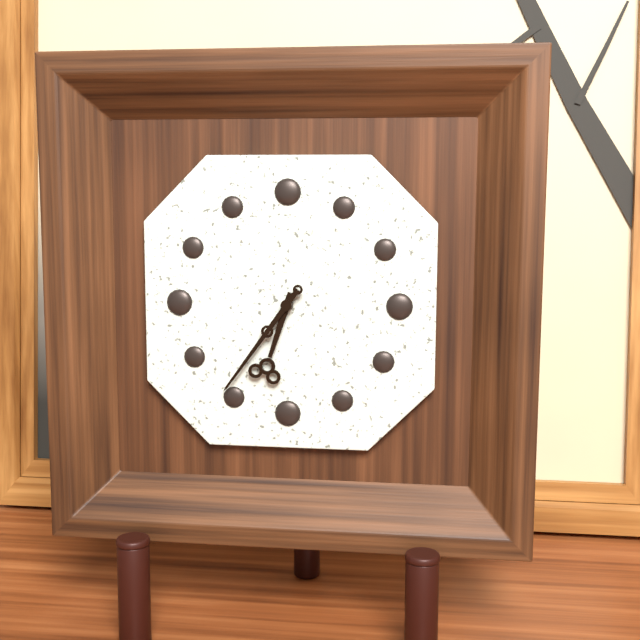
**6:36**
